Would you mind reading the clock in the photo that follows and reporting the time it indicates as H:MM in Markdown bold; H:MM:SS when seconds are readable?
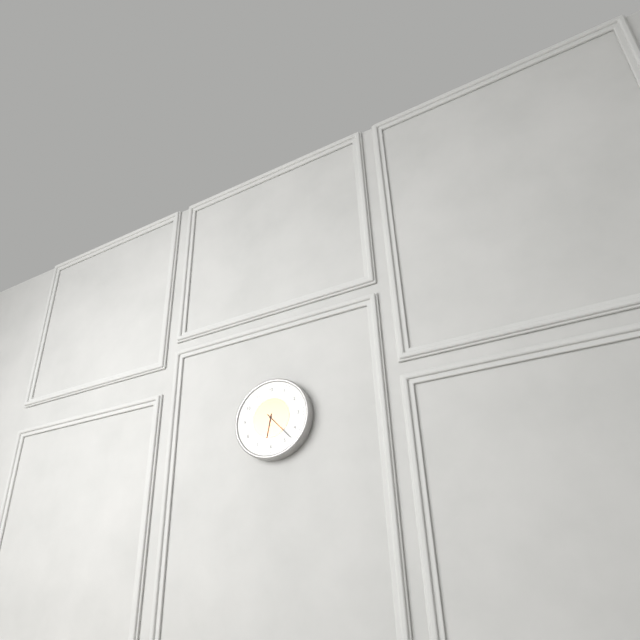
**6:23**
